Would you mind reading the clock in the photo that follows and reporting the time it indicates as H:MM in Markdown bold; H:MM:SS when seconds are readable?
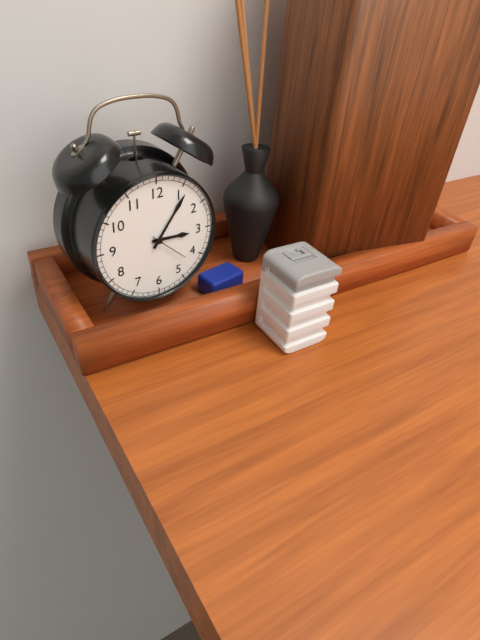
**3:06**
